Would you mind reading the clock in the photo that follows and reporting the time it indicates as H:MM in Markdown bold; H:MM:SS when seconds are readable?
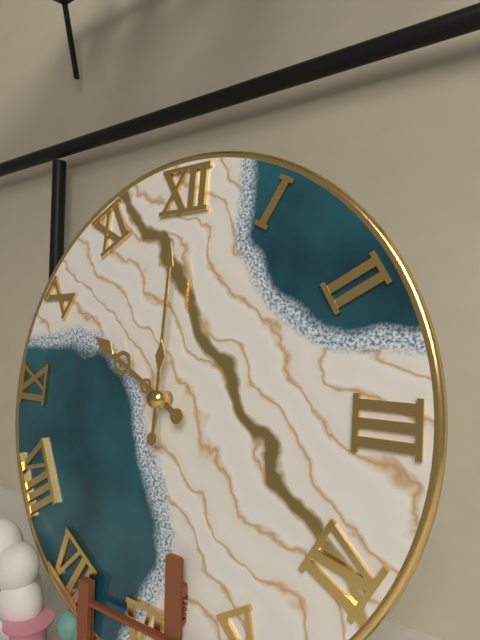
**10:00**
